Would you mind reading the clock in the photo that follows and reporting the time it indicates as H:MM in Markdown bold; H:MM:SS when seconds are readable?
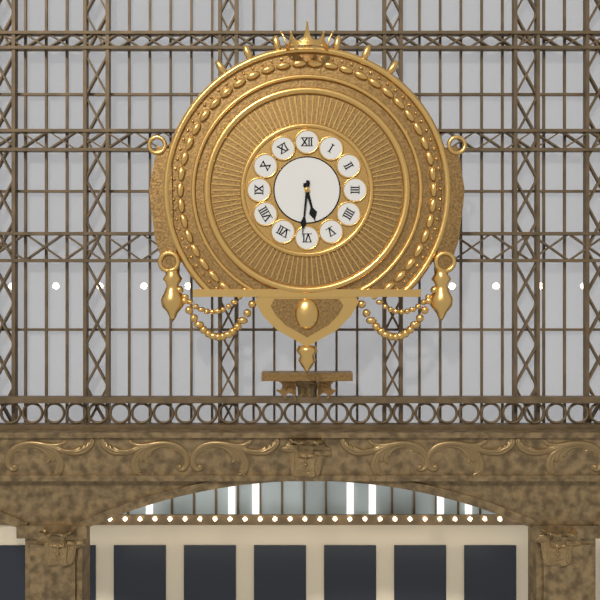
**5:31**
